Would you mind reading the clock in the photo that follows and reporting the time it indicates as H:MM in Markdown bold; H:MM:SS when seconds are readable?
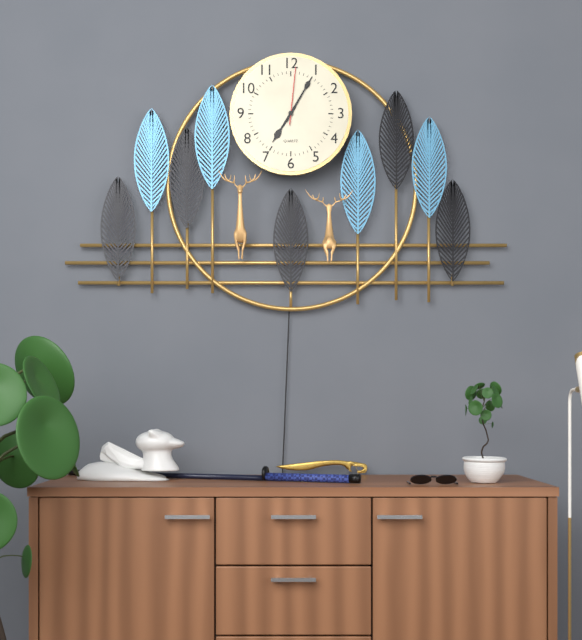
**7:05:01**
